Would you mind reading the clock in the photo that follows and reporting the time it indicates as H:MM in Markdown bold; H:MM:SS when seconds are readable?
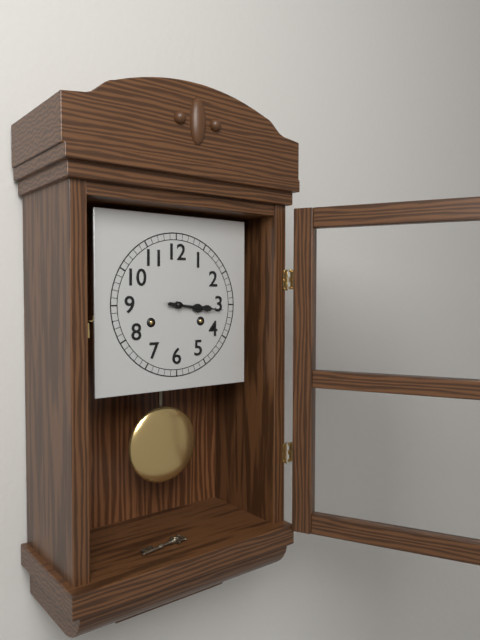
**3:16**
